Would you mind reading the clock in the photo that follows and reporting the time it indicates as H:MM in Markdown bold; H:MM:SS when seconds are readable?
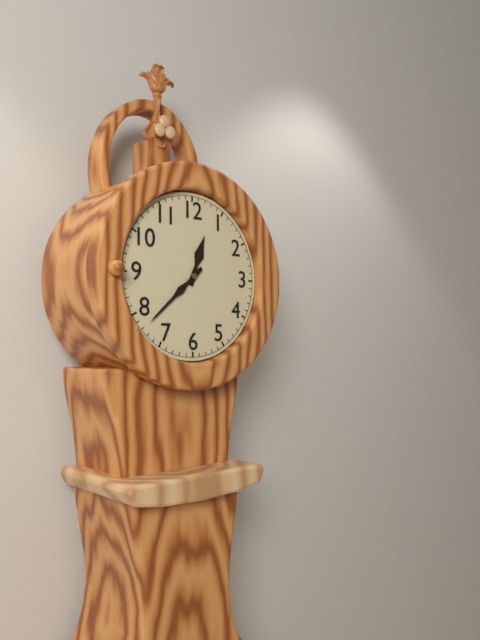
**12:38**
